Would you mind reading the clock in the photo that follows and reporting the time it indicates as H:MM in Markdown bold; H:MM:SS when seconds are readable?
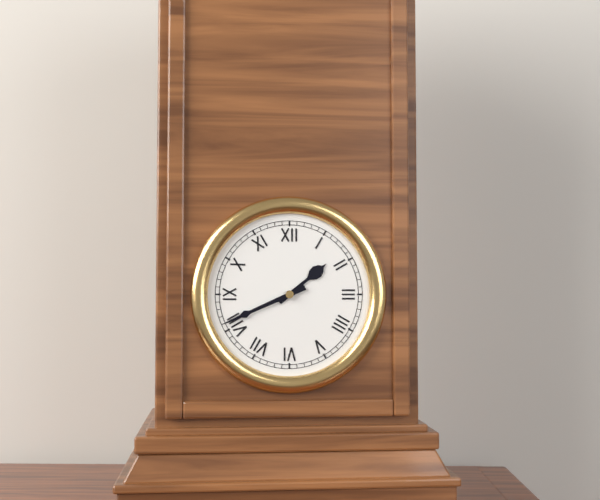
**1:41**
